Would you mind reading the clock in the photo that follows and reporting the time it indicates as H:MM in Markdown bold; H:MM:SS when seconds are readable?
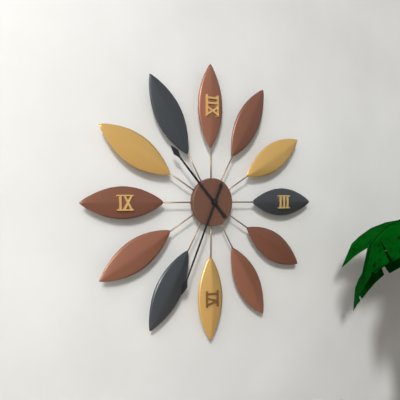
**10:34**
